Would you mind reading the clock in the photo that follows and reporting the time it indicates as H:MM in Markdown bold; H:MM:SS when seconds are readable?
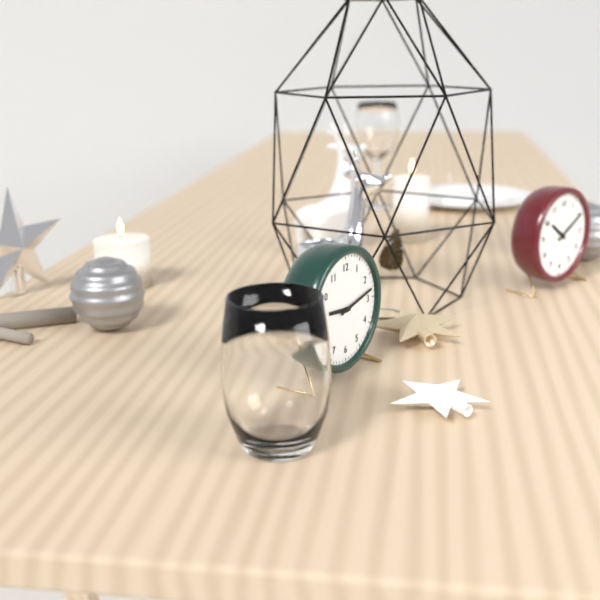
**9:13**
